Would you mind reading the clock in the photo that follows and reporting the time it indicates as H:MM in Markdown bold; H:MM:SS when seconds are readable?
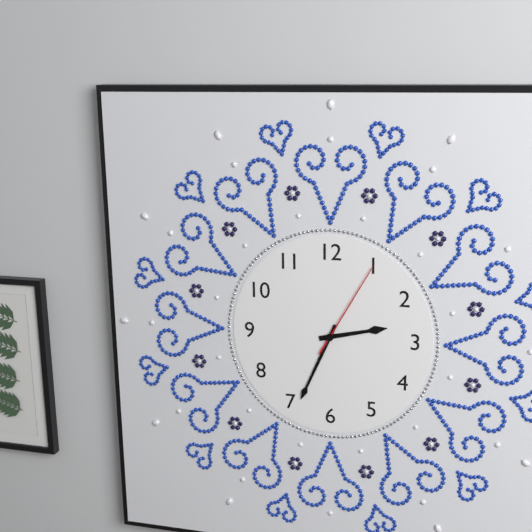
**2:34:05**
